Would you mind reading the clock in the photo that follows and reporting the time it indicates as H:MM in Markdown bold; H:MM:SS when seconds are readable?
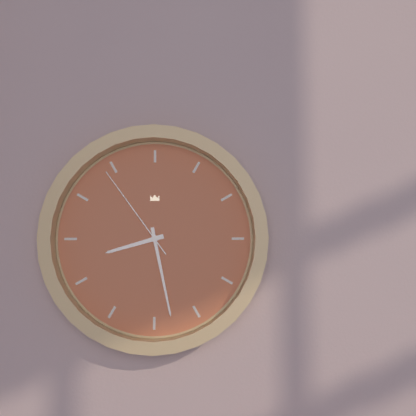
**8:28:54**
